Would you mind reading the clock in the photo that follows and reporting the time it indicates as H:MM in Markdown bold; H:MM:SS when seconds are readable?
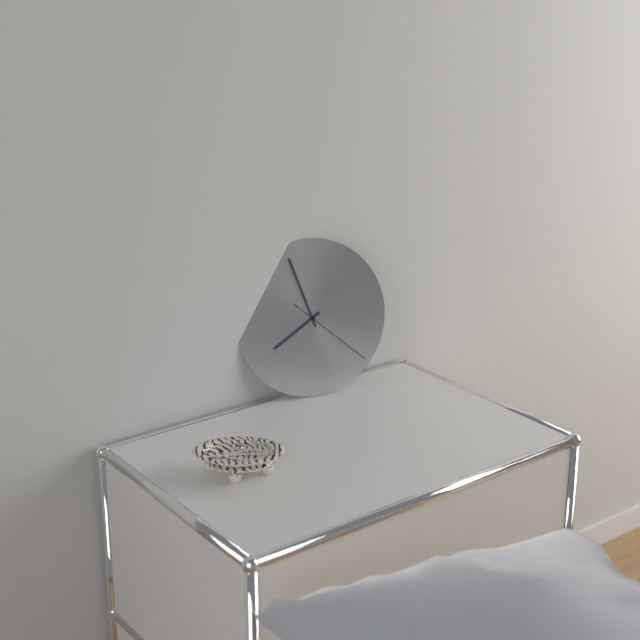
**7:57:22**
